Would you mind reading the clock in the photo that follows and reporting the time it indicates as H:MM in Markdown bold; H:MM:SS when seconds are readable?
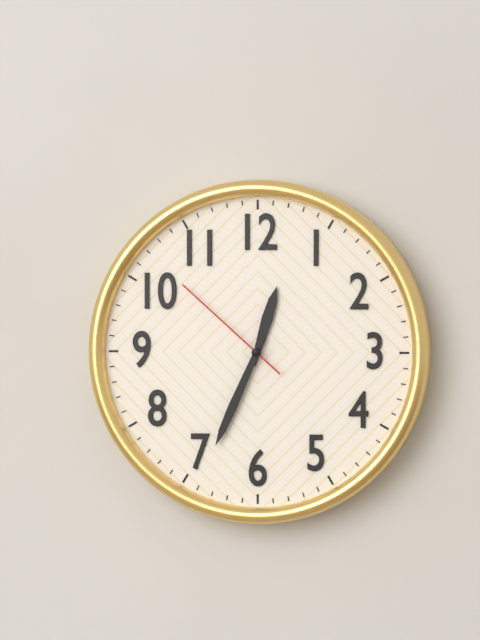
**12:34:52**
